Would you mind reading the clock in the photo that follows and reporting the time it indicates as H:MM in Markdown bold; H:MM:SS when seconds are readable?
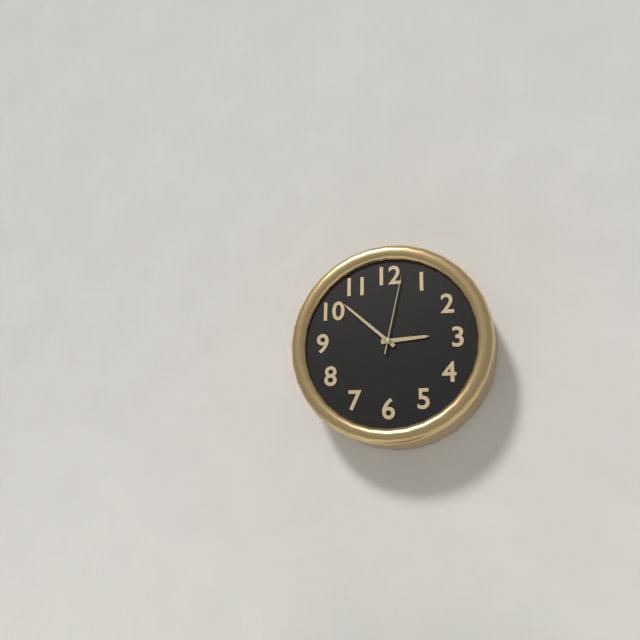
**2:52:02**
